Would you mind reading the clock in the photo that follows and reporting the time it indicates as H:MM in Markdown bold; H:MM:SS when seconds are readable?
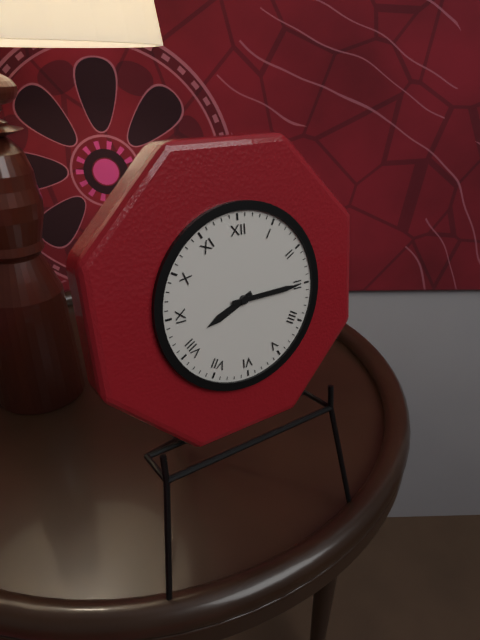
**8:15**
